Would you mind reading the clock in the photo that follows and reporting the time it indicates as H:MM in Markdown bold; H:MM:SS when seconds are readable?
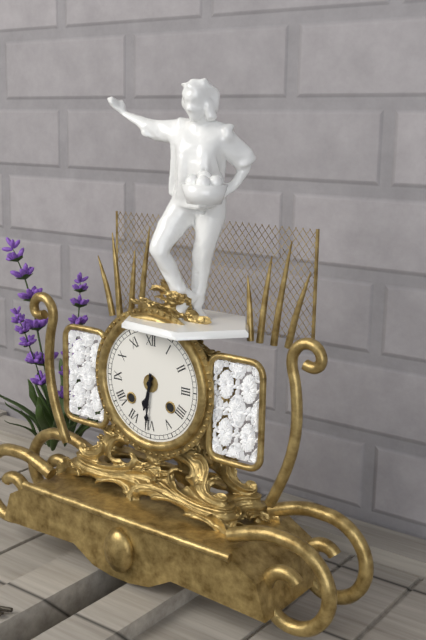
**6:31**
